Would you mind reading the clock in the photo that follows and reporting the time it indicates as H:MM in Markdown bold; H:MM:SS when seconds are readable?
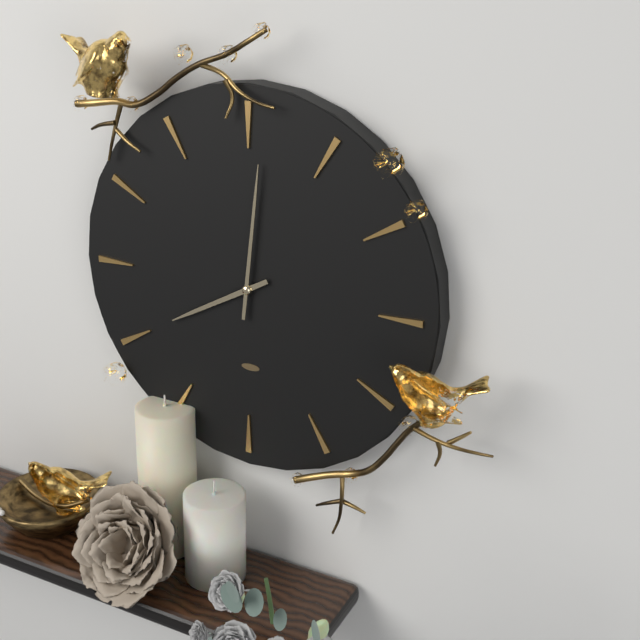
**8:01**
